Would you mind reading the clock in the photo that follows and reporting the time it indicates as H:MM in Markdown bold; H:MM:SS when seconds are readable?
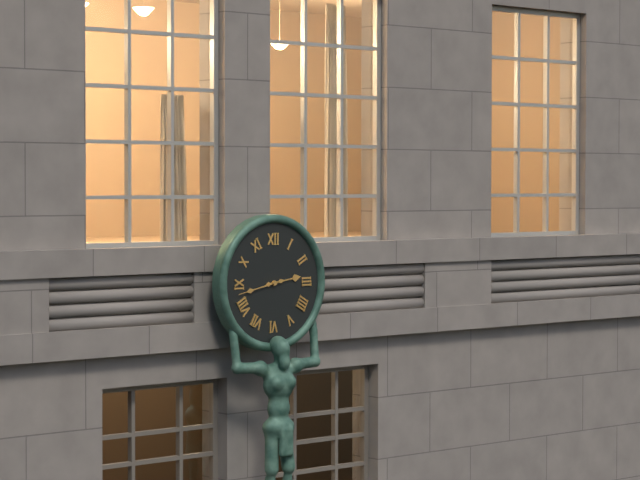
**2:43**
